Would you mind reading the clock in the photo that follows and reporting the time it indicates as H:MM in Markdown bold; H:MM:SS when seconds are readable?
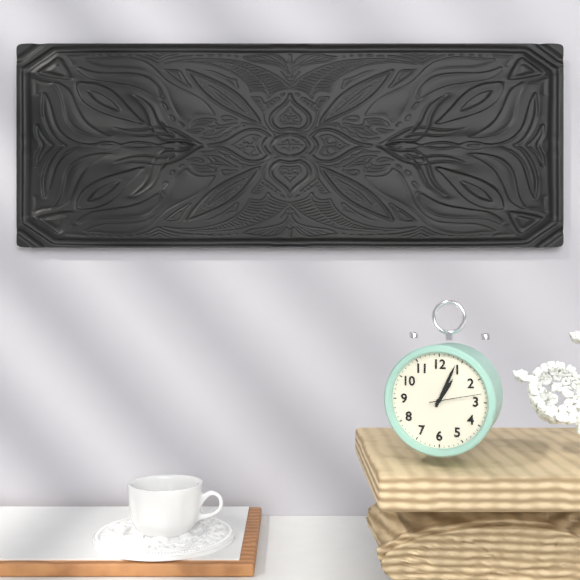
**1:04:13**
